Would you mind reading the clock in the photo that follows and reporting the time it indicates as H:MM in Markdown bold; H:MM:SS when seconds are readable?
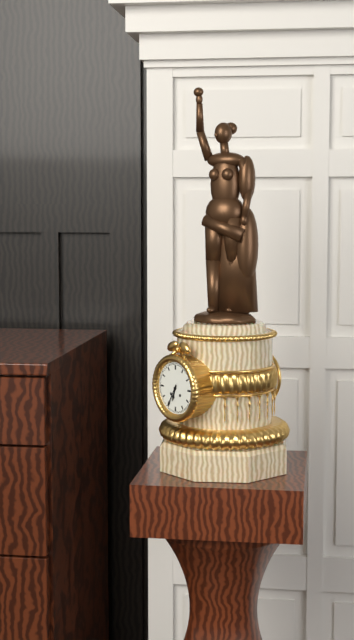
**6:35**
